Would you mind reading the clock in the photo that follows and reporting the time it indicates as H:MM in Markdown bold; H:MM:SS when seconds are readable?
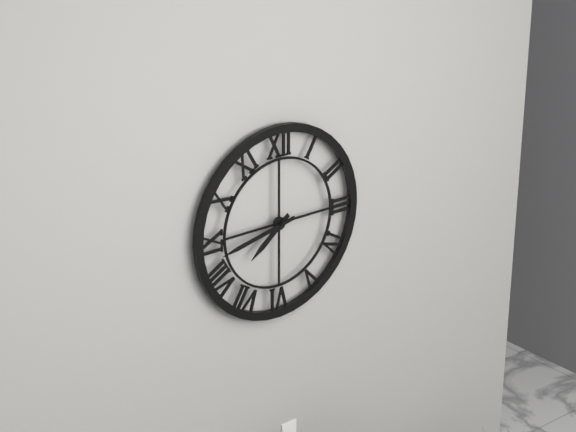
**7:43**
